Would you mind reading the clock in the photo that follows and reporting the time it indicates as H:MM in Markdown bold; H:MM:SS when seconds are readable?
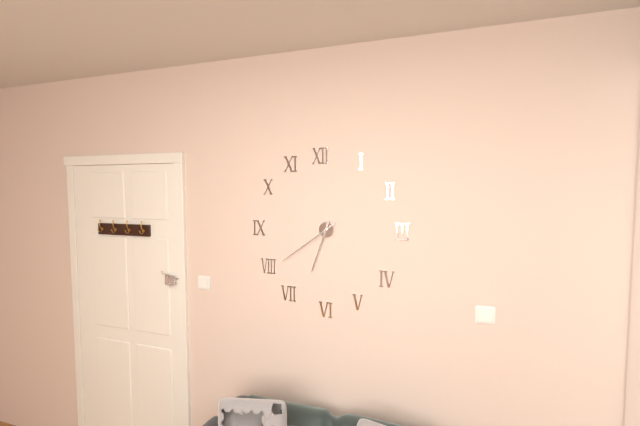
**6:39**
